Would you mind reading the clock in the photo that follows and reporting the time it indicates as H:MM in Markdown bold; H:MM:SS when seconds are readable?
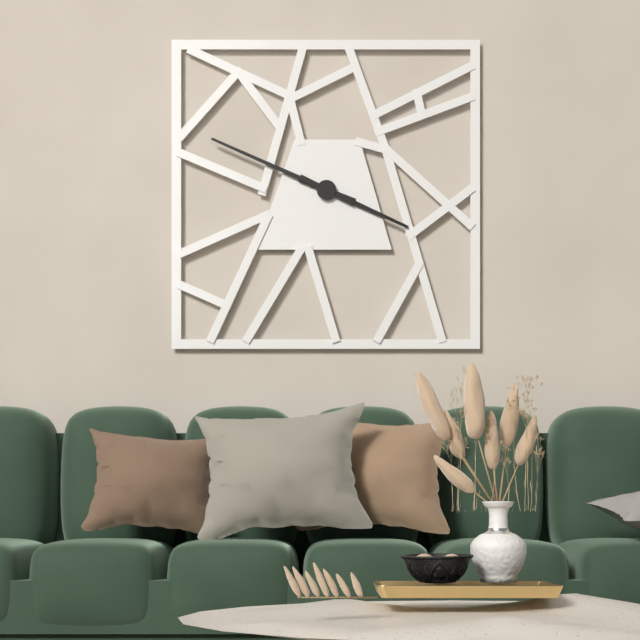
**3:49**
